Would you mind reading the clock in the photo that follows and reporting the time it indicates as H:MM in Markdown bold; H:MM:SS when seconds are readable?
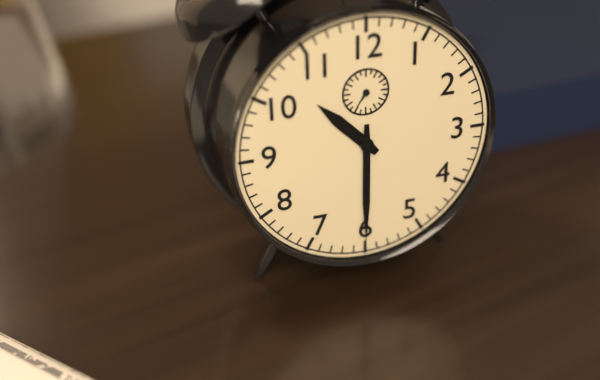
**10:30**
